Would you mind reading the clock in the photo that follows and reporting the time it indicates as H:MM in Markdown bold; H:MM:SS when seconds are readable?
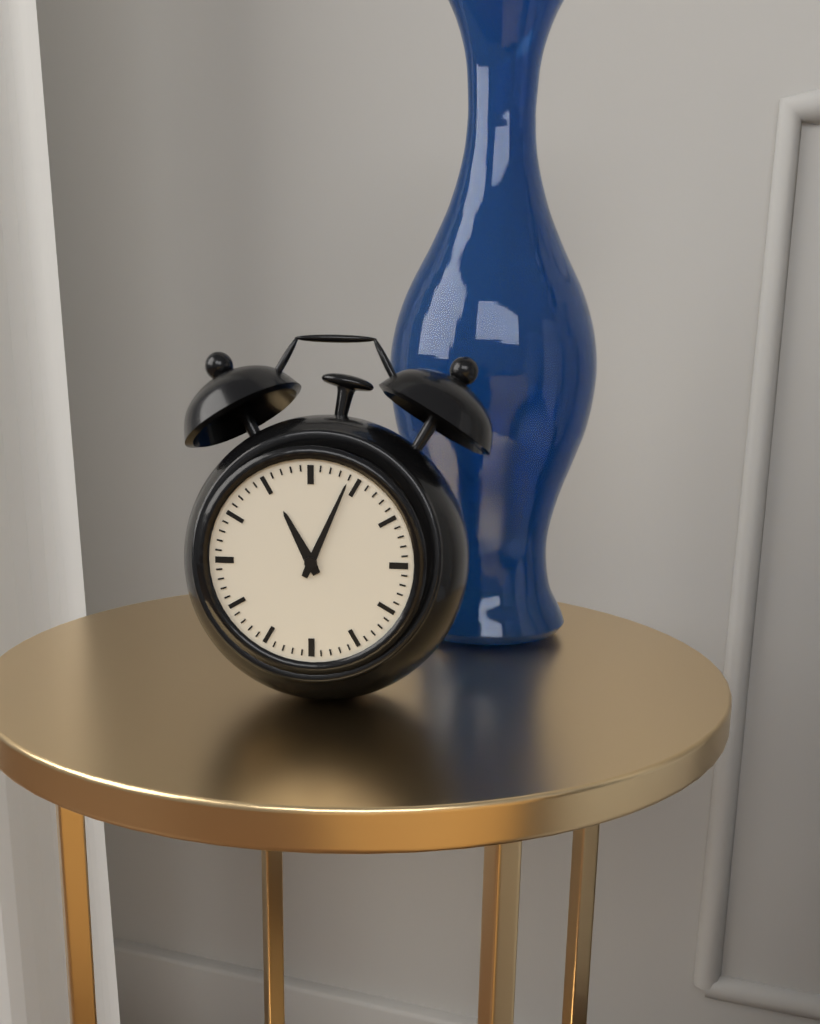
**11:04**
